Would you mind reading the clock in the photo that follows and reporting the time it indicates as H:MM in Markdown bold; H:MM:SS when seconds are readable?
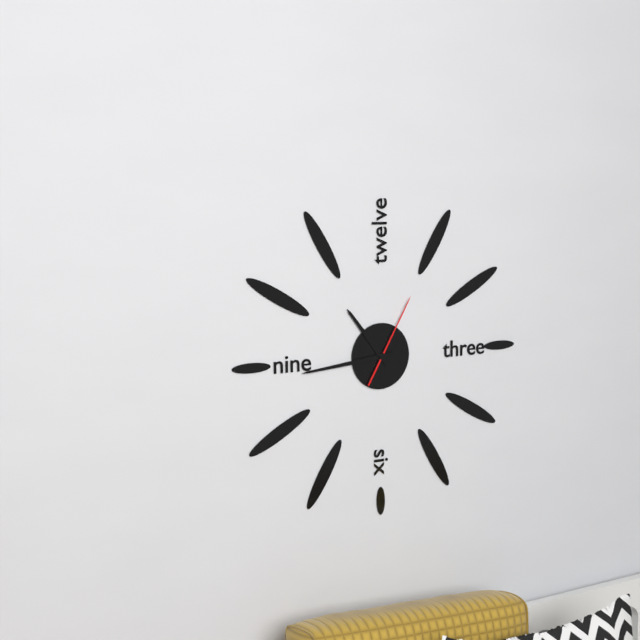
**10:44:05**
